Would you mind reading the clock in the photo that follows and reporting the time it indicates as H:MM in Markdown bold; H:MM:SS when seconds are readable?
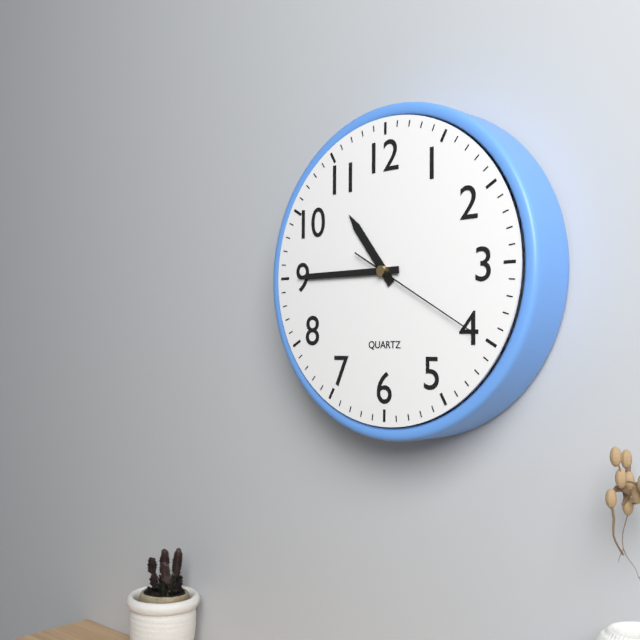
**10:45:20**
